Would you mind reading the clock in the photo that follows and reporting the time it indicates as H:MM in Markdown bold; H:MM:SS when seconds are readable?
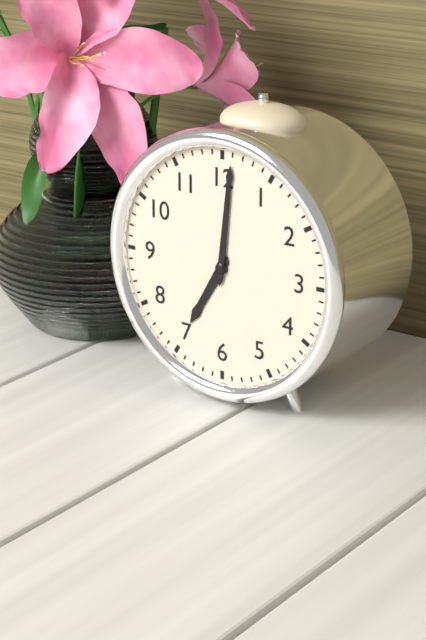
**7:01**
